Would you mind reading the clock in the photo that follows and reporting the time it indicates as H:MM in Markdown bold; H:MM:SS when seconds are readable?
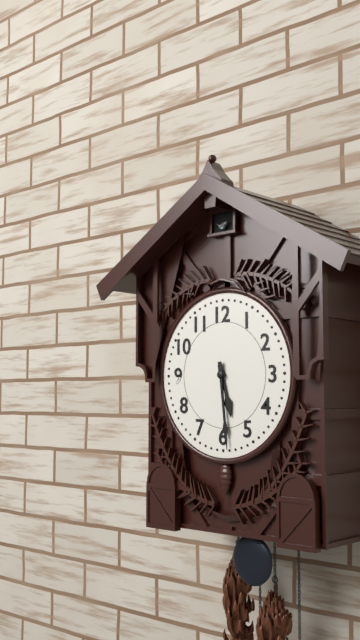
**5:29**
